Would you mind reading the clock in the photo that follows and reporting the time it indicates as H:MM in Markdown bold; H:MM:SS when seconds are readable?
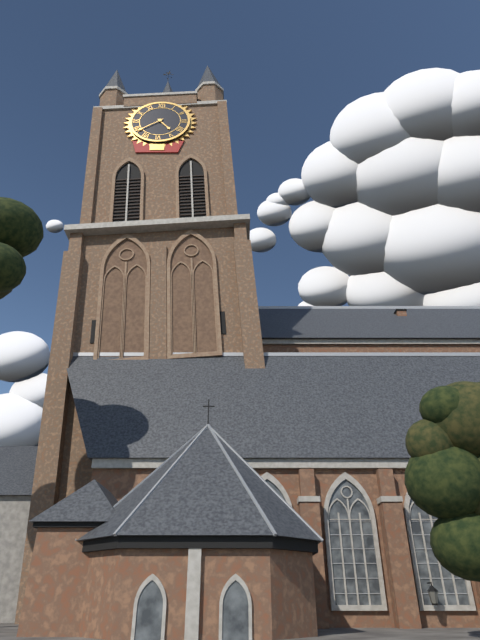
**4:39**
